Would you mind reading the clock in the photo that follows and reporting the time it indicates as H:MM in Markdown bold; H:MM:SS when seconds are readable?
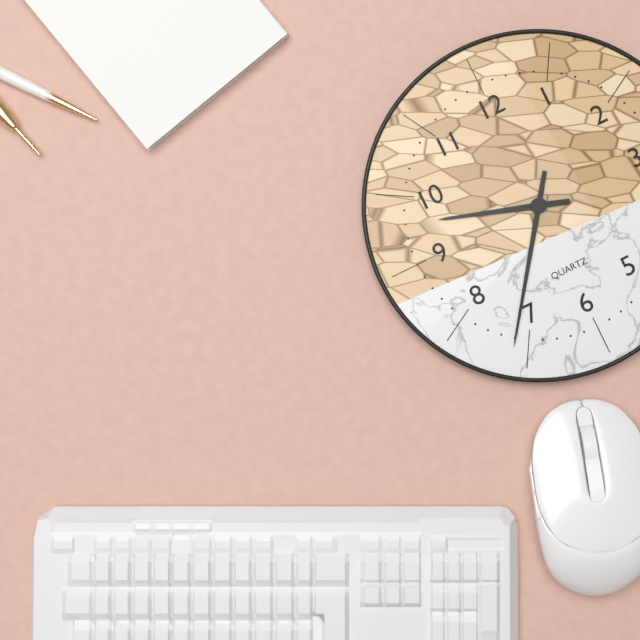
**9:36**
